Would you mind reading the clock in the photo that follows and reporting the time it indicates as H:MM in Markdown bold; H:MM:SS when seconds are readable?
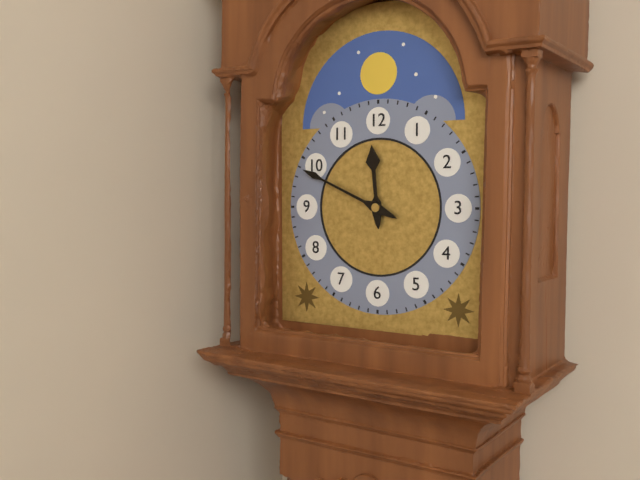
**11:49**
